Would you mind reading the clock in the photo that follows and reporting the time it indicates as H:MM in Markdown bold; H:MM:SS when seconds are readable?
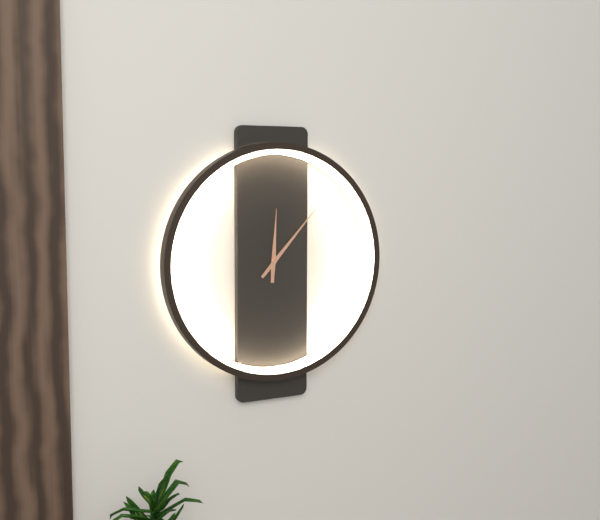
**12:07**
